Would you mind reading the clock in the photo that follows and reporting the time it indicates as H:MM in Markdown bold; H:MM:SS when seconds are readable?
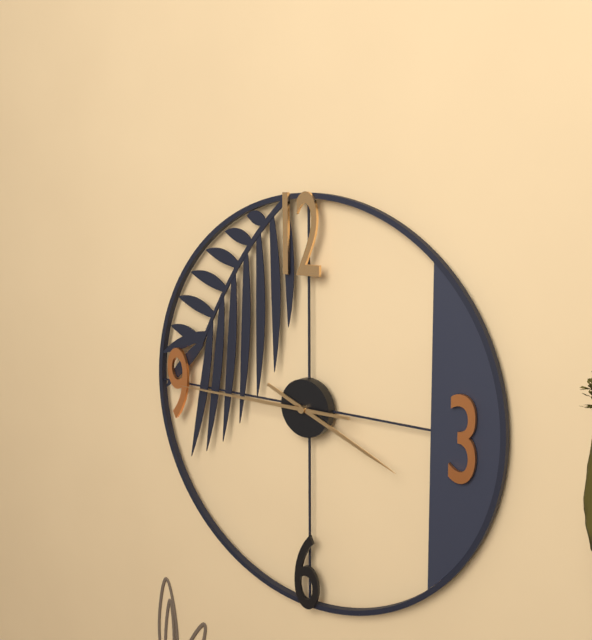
**3:45**
